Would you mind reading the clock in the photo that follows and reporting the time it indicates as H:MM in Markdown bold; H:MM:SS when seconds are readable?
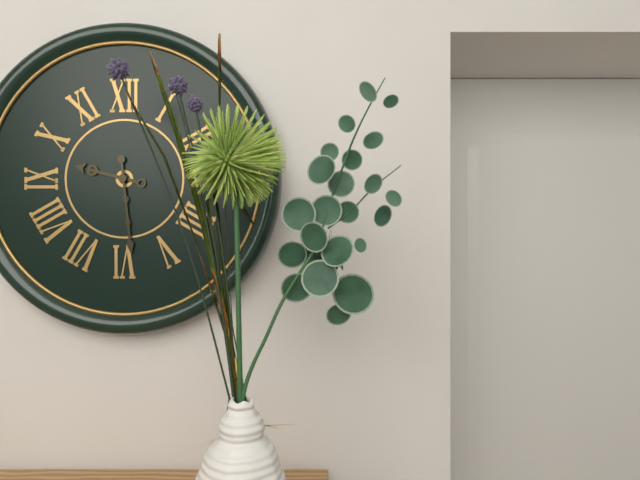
**9:29**
